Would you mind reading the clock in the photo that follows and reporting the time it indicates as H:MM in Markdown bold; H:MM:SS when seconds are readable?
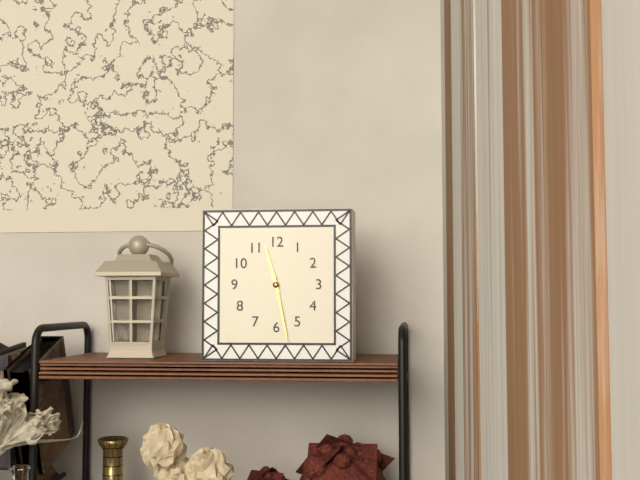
**11:28**
